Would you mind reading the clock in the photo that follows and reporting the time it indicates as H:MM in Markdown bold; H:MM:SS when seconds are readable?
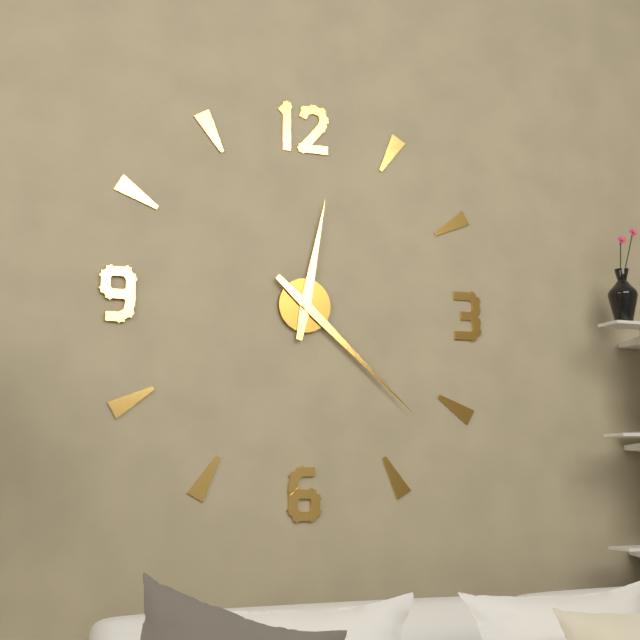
**12:22**
